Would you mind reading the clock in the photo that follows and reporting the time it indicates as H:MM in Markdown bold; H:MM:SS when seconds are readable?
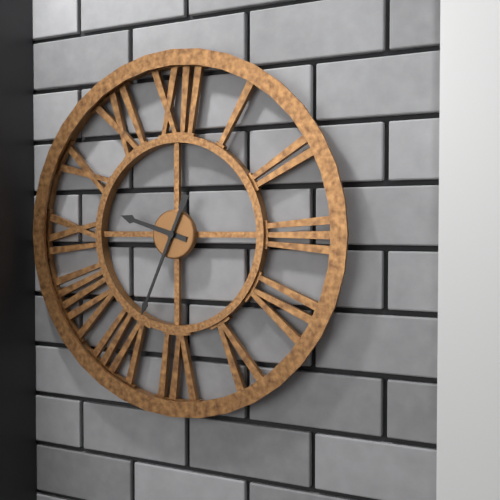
**9:34**
